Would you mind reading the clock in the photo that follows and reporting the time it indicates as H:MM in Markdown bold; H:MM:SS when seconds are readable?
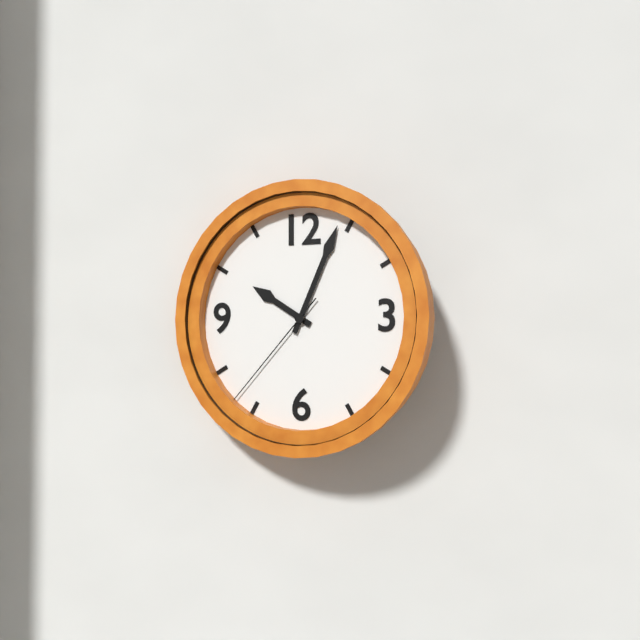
**10:04:37**
